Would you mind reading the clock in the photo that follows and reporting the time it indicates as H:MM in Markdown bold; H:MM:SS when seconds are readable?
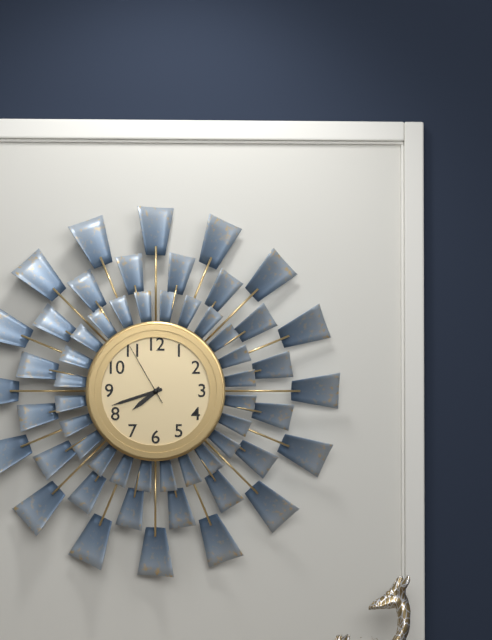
**7:42:55**
